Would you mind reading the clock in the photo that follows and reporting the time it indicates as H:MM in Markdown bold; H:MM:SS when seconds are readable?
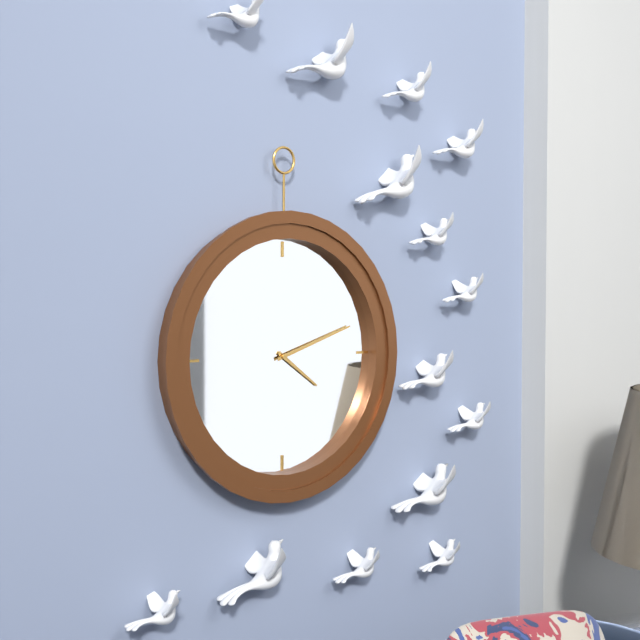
**4:12**
